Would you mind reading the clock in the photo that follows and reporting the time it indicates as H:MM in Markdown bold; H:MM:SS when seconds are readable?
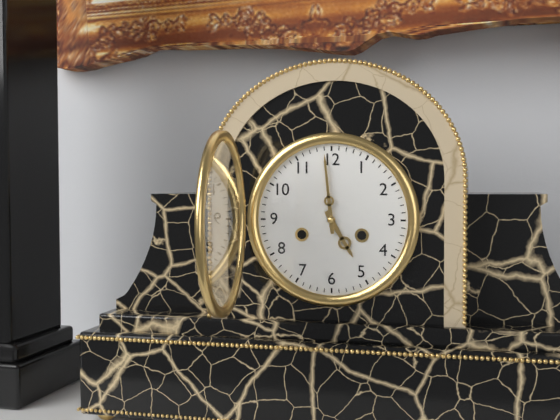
**4:59**
